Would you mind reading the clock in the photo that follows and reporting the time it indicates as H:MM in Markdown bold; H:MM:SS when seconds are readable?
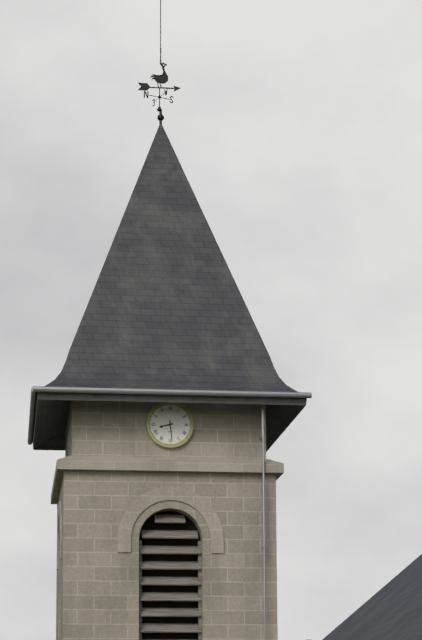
**8:29**
